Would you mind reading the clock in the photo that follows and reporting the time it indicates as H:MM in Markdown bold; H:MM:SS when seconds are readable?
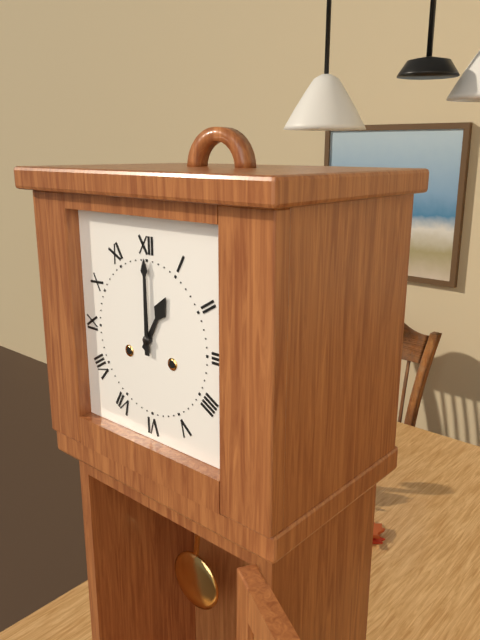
**1:00**
